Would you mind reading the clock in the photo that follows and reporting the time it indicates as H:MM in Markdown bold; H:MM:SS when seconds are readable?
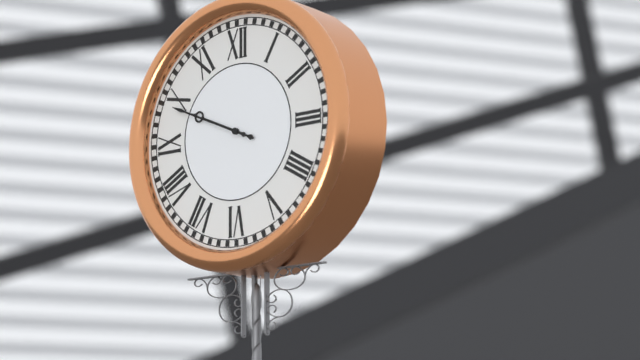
**9:49**
